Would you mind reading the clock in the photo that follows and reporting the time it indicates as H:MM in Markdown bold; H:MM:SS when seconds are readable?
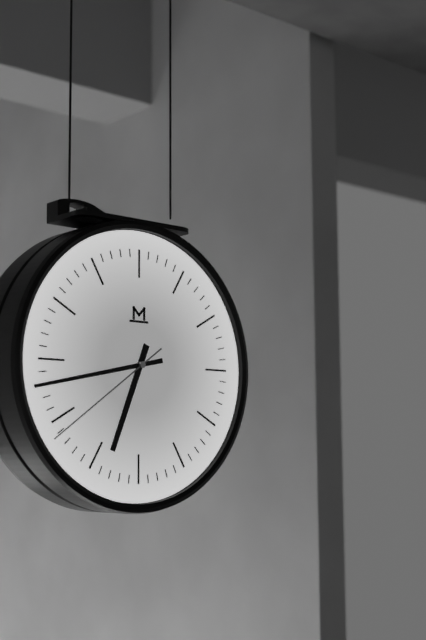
**6:43:39**
